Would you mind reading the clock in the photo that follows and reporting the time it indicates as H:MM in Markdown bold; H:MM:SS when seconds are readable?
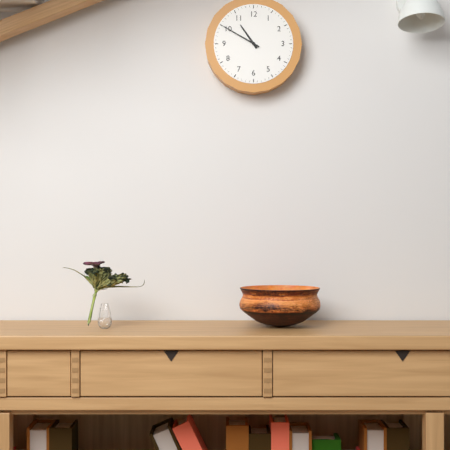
**10:50**
